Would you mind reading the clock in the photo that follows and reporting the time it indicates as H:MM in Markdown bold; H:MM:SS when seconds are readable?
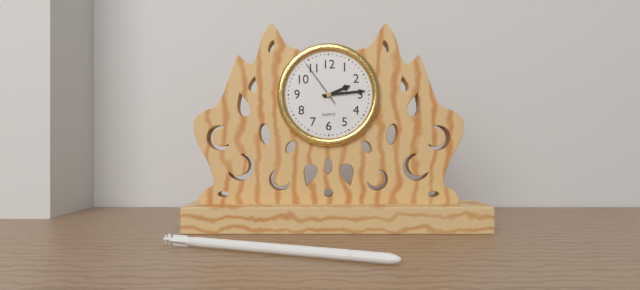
**2:14:54**
